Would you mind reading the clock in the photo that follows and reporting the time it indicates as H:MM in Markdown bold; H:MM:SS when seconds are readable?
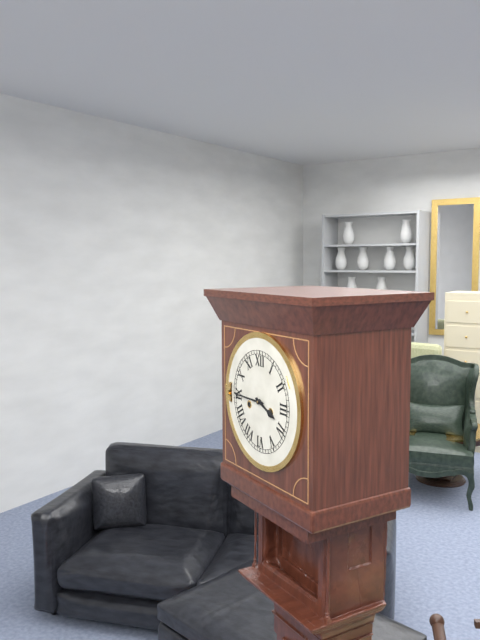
**3:45**
